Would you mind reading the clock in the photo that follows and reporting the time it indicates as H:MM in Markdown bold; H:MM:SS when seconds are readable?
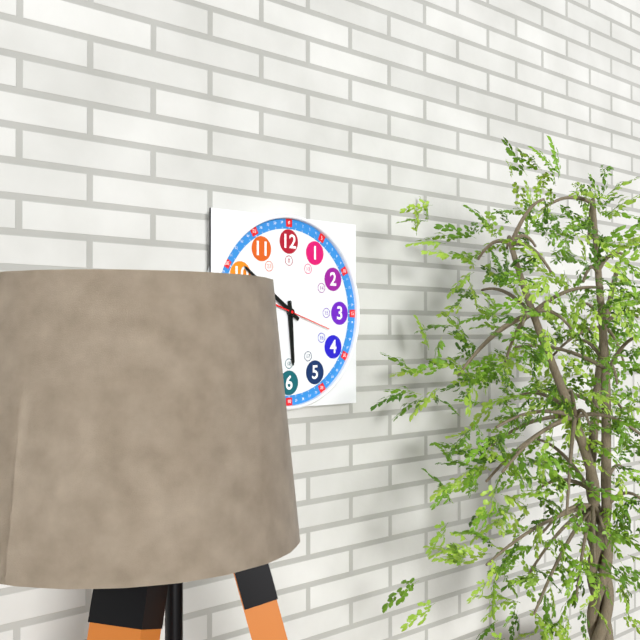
**5:51:18**
